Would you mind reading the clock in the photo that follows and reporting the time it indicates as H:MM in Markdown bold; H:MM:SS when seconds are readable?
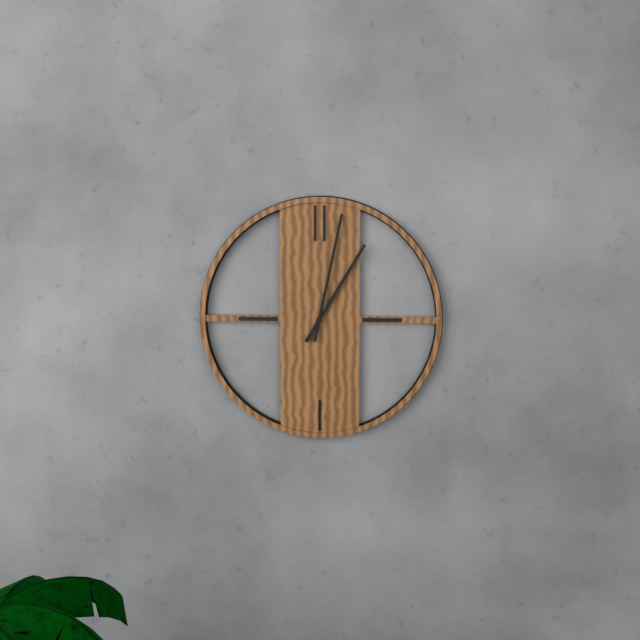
**1:02**
